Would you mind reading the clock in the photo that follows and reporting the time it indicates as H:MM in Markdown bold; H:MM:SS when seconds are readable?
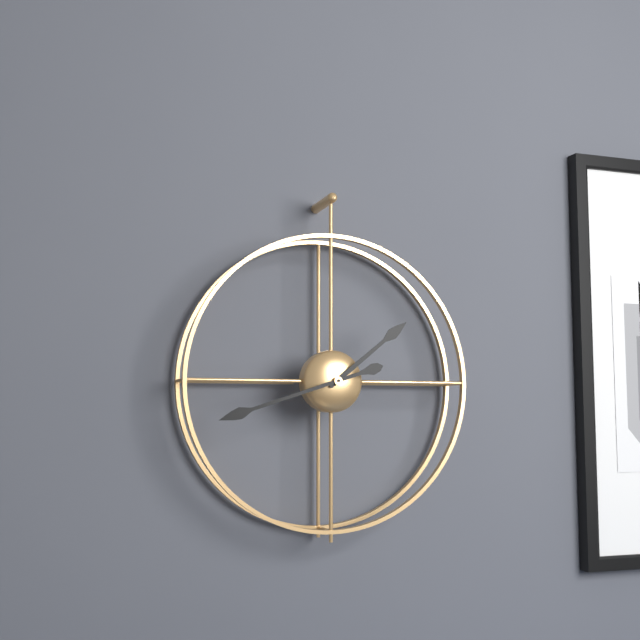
**1:42**
